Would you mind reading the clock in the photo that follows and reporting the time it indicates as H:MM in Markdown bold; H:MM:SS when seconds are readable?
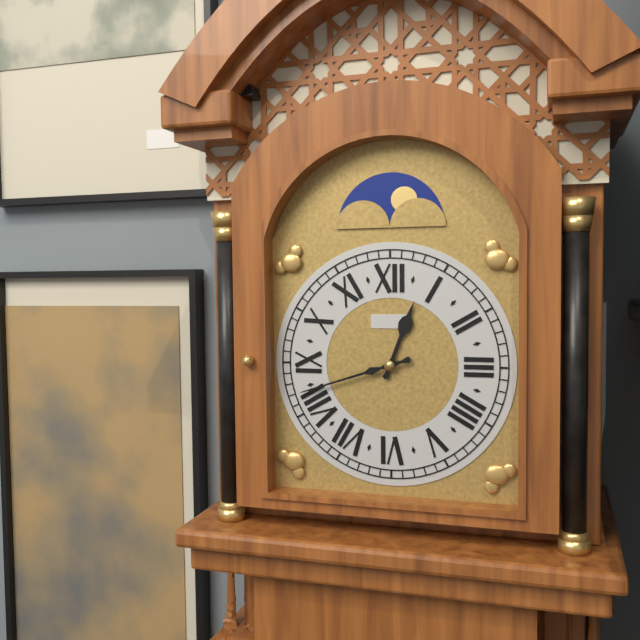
**12:42**
